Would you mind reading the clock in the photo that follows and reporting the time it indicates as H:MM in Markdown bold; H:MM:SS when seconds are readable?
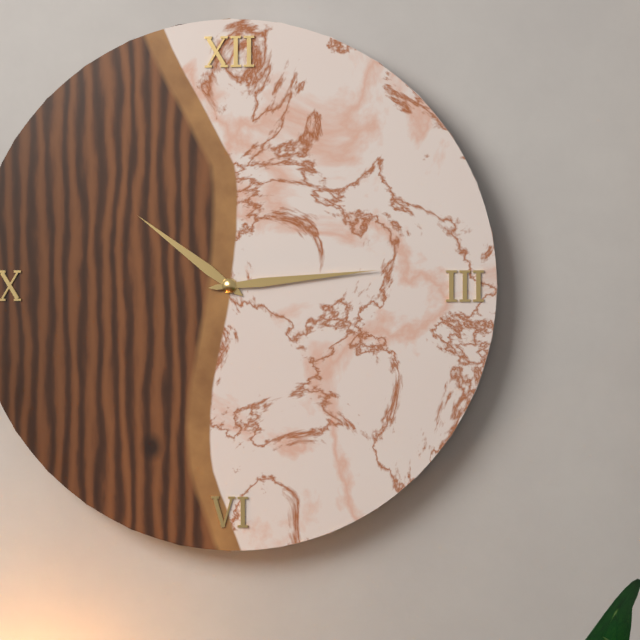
**10:14**
